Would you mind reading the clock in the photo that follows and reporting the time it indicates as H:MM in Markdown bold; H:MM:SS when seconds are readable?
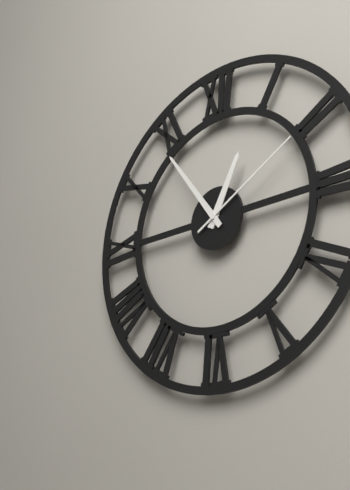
**12:54:10**
